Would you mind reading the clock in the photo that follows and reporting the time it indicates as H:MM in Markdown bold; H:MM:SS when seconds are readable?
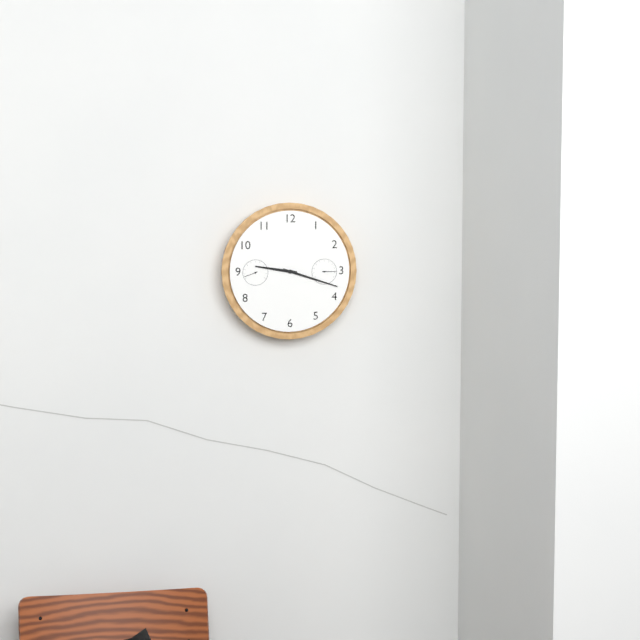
**9:18**
